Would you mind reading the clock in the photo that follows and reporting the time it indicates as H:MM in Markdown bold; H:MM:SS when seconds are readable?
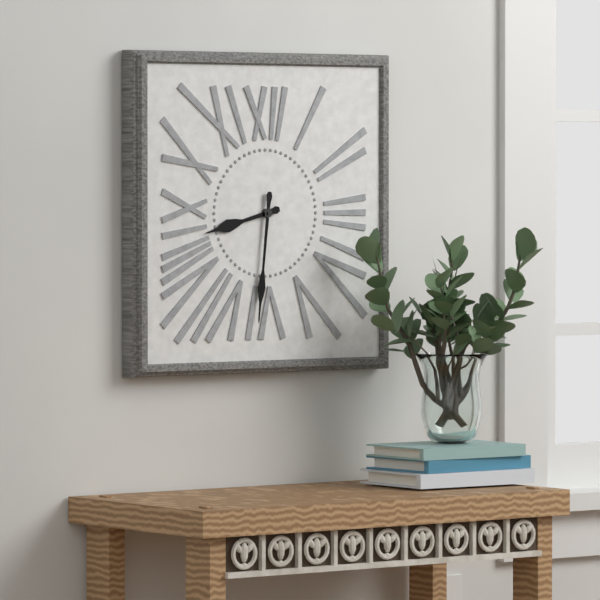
**8:31**
